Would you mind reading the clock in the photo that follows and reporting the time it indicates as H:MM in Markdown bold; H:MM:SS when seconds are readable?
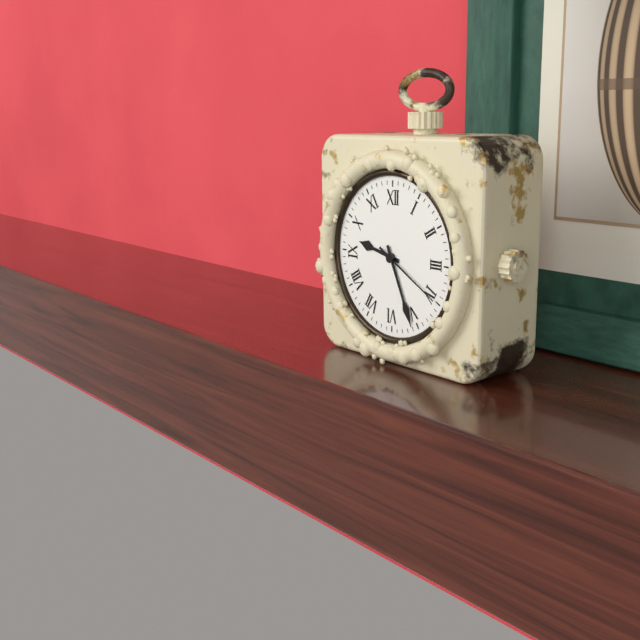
**9:26:20**
